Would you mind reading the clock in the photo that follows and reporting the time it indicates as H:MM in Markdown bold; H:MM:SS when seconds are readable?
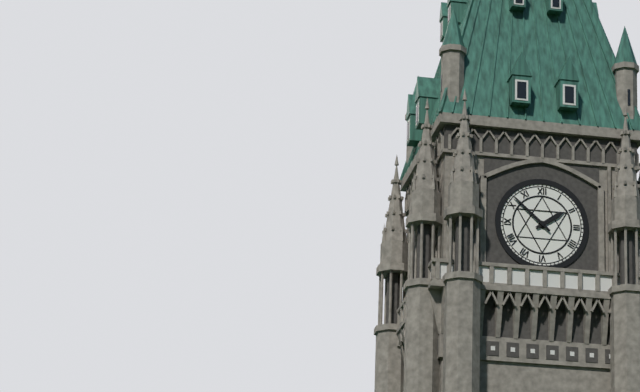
**1:52**
